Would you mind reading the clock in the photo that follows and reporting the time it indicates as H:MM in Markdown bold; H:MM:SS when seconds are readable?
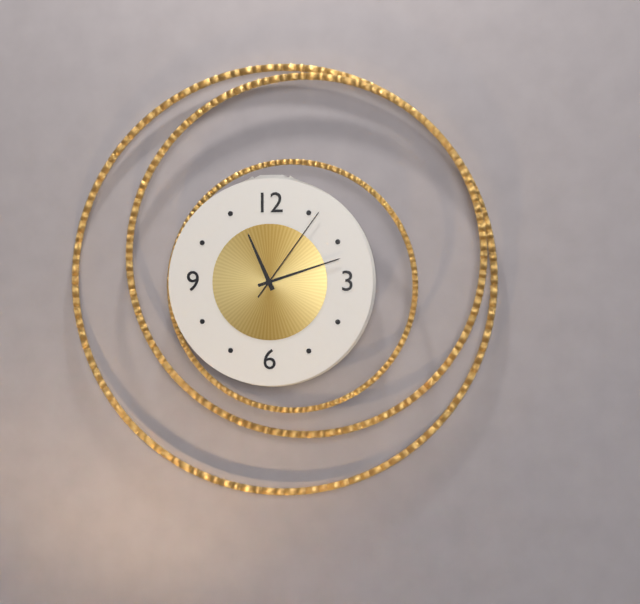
**11:12:06**
